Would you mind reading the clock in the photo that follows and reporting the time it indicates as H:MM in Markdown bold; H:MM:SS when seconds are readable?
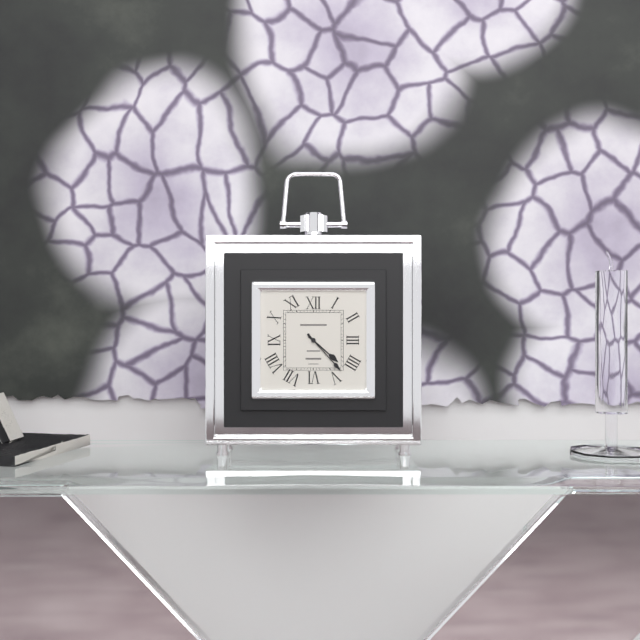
**4:23**
